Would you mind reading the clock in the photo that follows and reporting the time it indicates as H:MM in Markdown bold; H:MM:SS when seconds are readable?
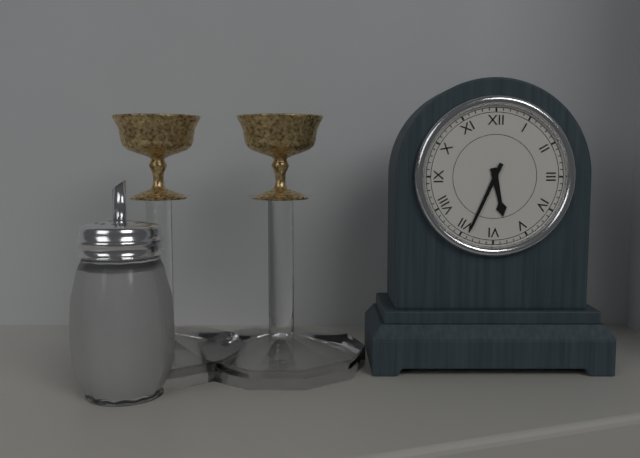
**5:34**
